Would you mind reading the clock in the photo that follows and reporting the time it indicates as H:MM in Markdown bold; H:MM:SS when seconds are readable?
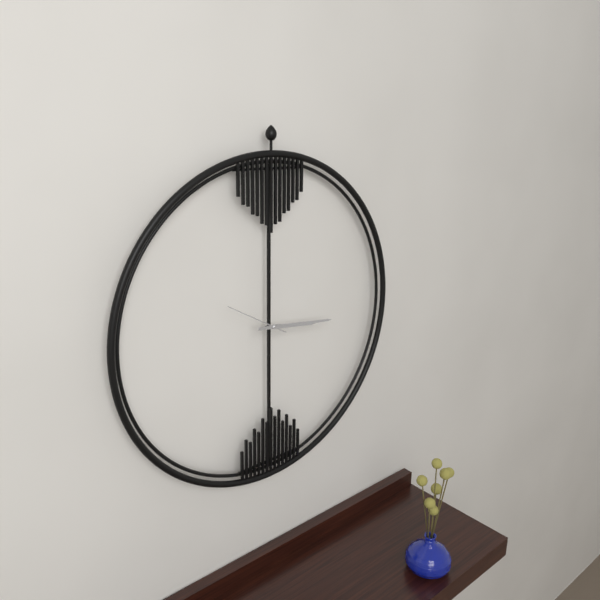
**3:16:50**
